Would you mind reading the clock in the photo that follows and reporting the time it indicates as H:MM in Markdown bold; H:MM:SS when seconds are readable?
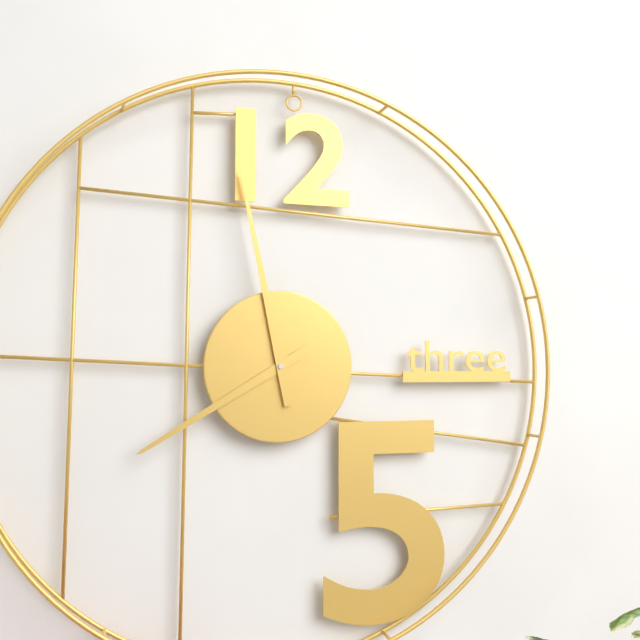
**7:58**
